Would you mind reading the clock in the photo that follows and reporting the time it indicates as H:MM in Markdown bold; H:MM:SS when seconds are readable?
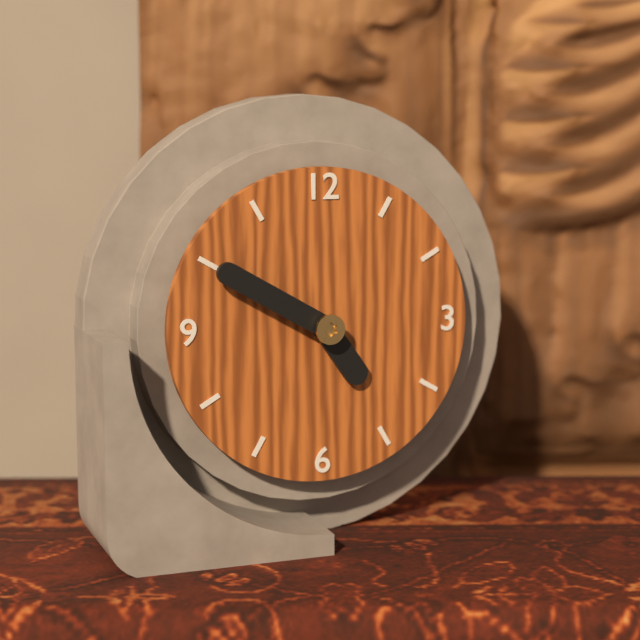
**4:50**
